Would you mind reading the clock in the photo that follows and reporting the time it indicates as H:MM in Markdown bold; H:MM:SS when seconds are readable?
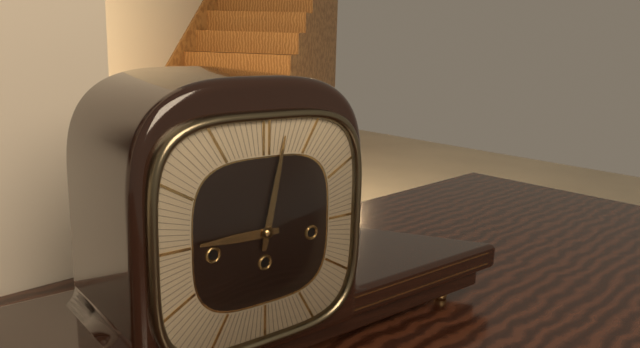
**9:02**
